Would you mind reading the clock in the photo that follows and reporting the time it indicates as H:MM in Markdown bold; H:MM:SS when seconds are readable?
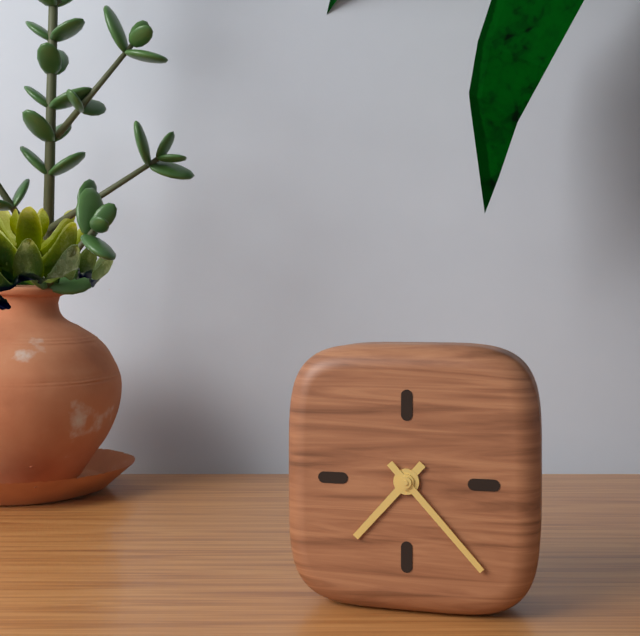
**7:23**
